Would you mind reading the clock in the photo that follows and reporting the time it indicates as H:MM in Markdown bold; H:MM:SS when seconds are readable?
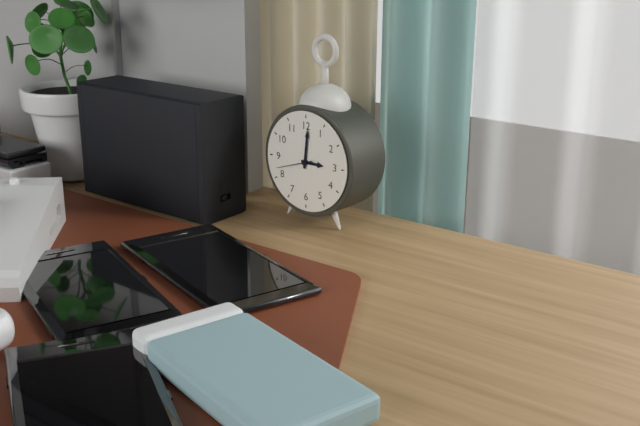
**3:01**
